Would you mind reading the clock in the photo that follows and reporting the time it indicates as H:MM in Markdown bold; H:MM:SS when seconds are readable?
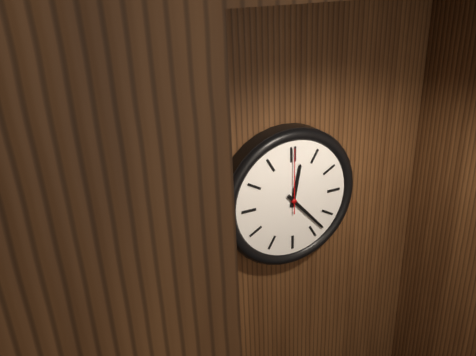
**12:23:00**
